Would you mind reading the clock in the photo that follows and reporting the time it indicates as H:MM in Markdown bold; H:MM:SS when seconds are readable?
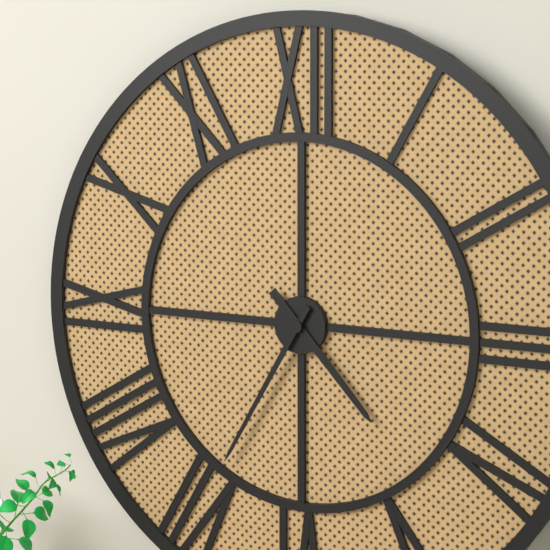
**4:35**
